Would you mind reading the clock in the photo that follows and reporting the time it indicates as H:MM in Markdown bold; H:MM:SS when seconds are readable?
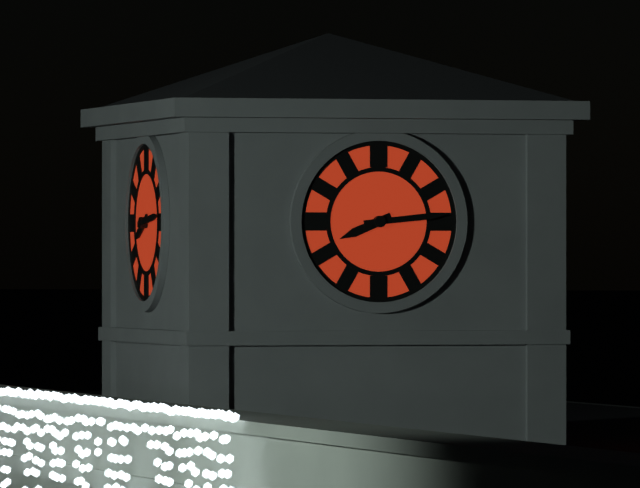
**8:14**
